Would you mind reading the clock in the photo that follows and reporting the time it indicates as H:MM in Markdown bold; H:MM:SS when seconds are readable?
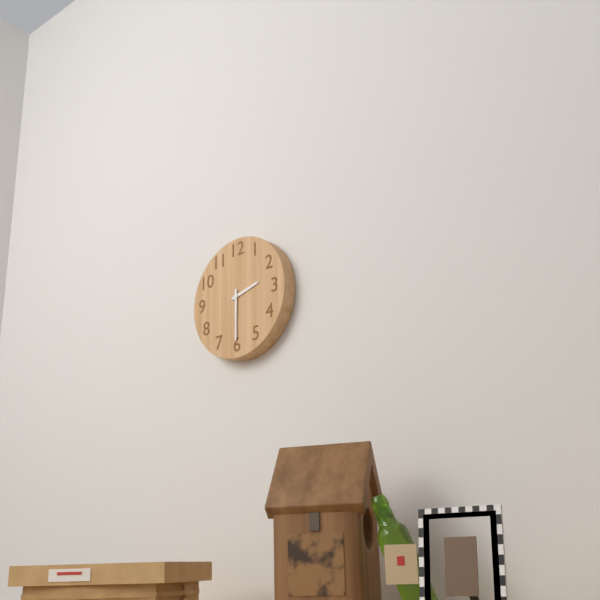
**2:30**
